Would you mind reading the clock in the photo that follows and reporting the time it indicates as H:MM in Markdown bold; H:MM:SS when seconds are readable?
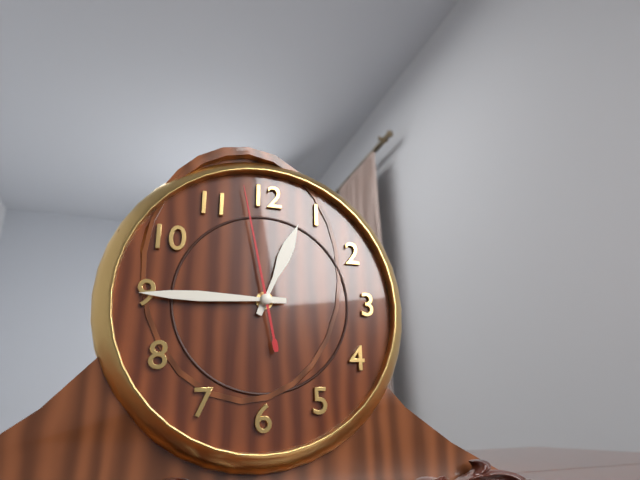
**12:45:58**
